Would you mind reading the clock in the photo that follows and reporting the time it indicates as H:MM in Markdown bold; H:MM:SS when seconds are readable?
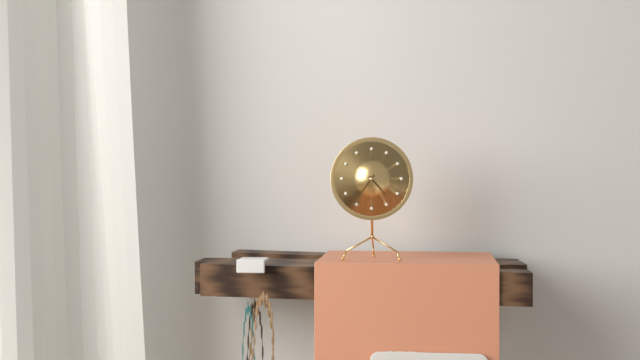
**4:36**
